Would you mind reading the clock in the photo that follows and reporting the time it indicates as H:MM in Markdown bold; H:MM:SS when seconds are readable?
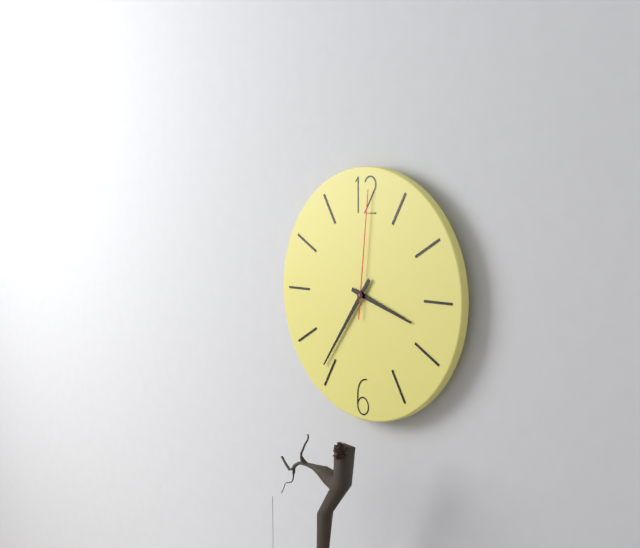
**3:36:01**
